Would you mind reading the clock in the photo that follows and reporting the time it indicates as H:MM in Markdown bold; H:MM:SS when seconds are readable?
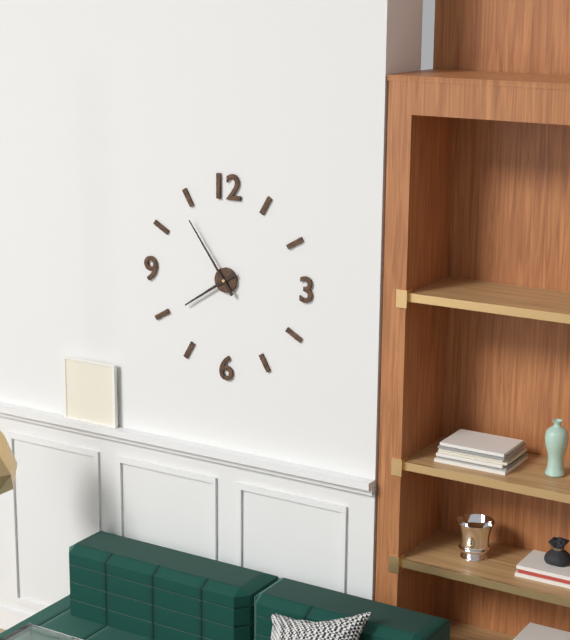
**7:54**
